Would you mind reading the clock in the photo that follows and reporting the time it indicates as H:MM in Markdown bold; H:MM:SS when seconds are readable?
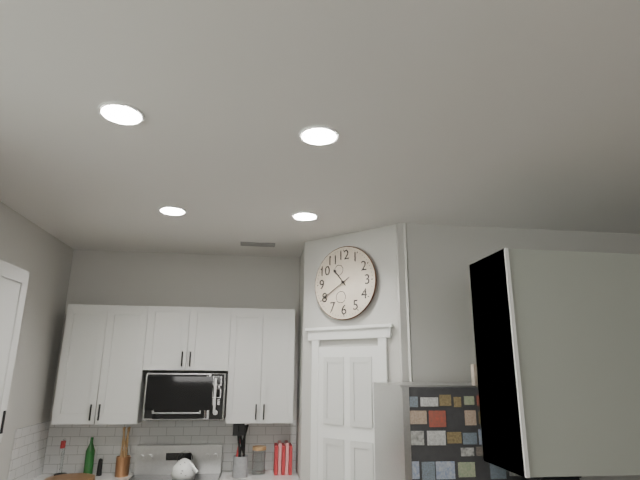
**10:40**
